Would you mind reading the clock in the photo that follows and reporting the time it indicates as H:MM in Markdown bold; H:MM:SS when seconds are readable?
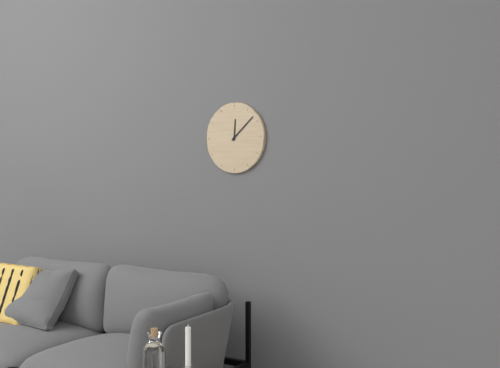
**12:08**
